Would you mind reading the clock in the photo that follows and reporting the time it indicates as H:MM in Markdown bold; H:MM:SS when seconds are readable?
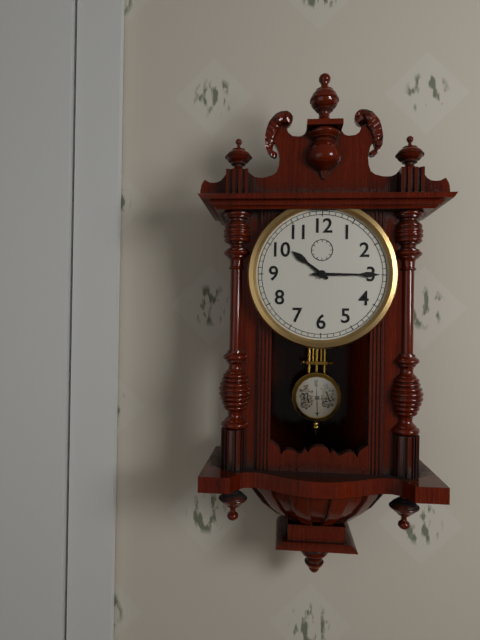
**10:15**
